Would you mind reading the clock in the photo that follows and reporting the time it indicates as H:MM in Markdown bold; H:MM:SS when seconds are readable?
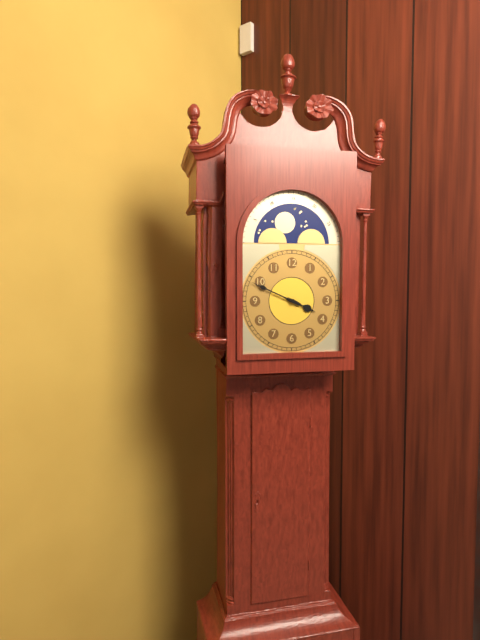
**3:49**
